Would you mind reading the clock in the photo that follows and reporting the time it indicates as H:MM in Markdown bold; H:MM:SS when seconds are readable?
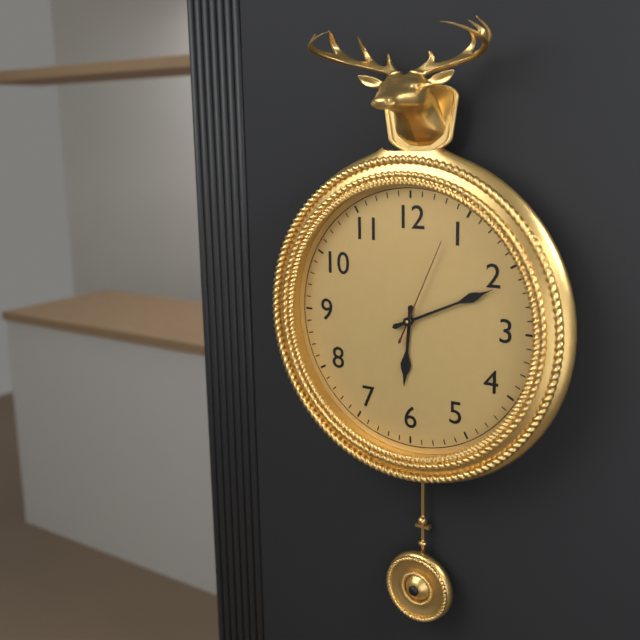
**6:11:04**
